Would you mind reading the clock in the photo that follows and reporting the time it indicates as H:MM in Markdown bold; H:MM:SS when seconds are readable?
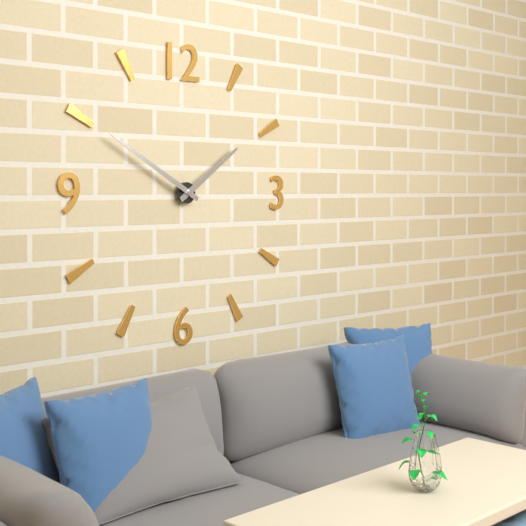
**1:50**
